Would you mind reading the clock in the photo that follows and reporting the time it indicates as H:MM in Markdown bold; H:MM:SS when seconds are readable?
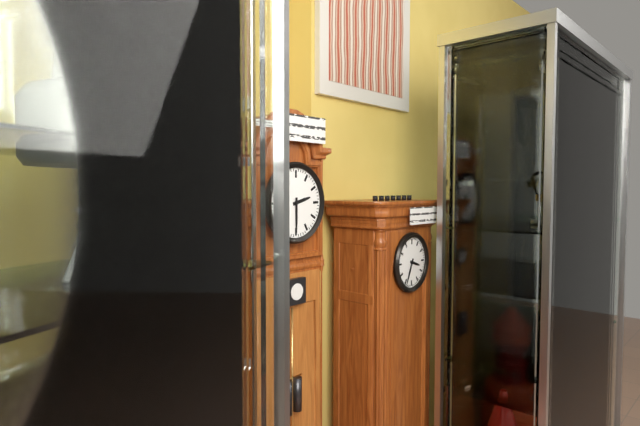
**2:30**
